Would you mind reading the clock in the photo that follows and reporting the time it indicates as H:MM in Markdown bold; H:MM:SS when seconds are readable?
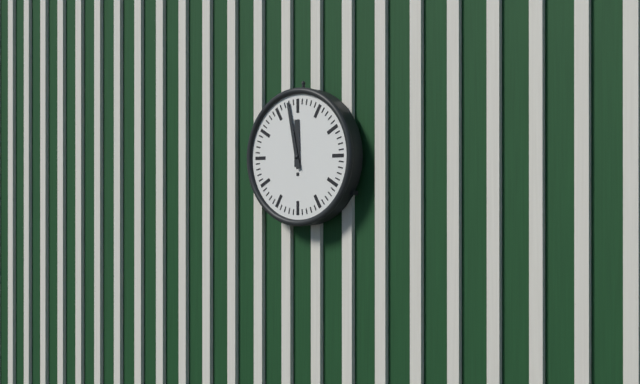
**11:58**
